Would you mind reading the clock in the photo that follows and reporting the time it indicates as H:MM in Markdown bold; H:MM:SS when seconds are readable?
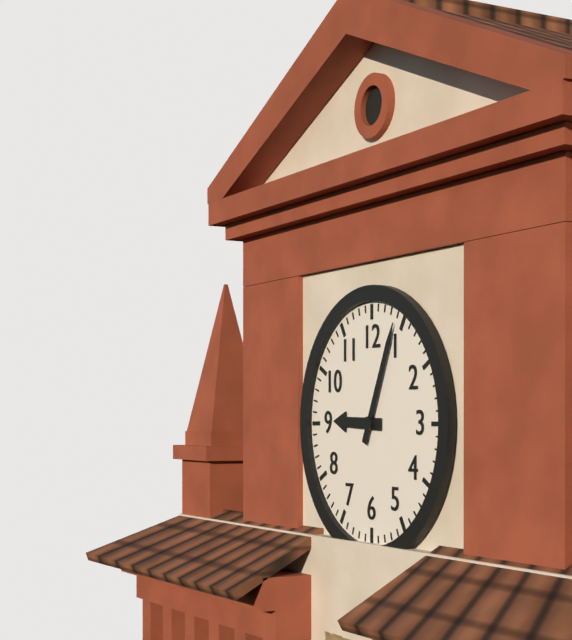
**9:04**
